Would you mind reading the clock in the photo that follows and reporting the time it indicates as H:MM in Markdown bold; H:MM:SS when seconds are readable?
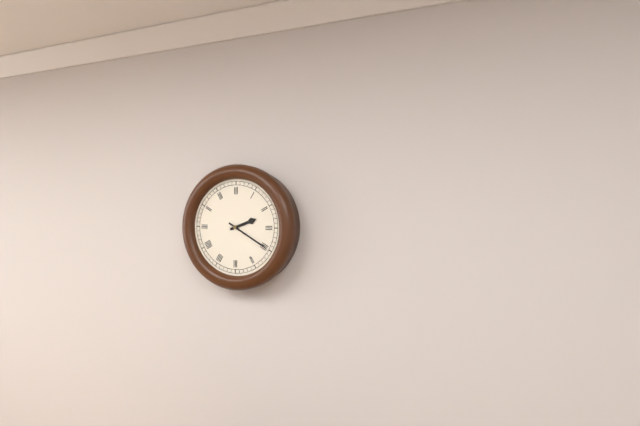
**2:20**
